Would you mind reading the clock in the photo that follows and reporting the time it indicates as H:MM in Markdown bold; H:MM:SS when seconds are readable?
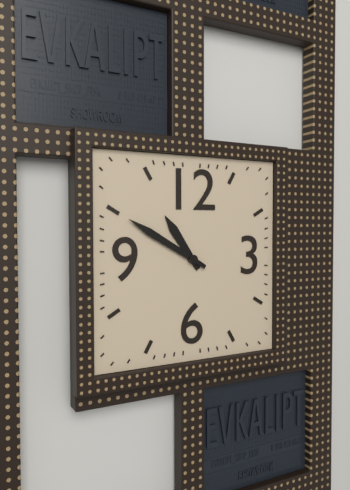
**10:50**
